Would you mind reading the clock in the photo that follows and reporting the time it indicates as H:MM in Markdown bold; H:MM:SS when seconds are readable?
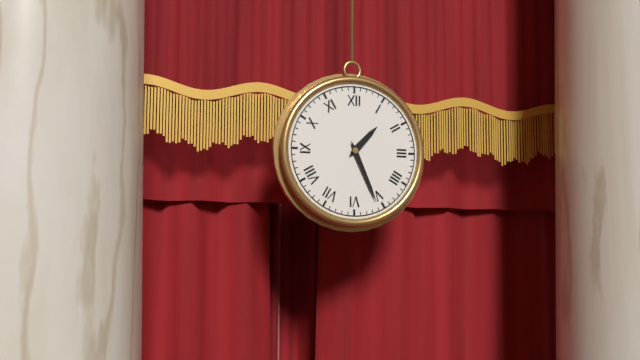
**1:26**
